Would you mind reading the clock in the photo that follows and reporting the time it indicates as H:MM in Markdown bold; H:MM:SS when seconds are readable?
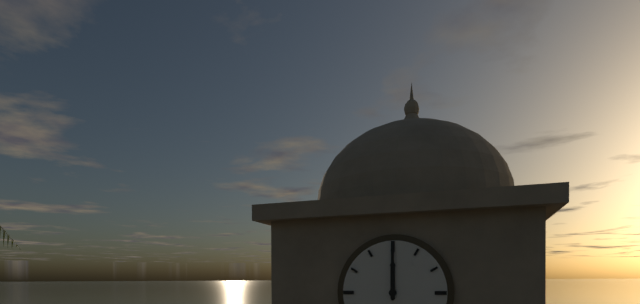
**12:00**
